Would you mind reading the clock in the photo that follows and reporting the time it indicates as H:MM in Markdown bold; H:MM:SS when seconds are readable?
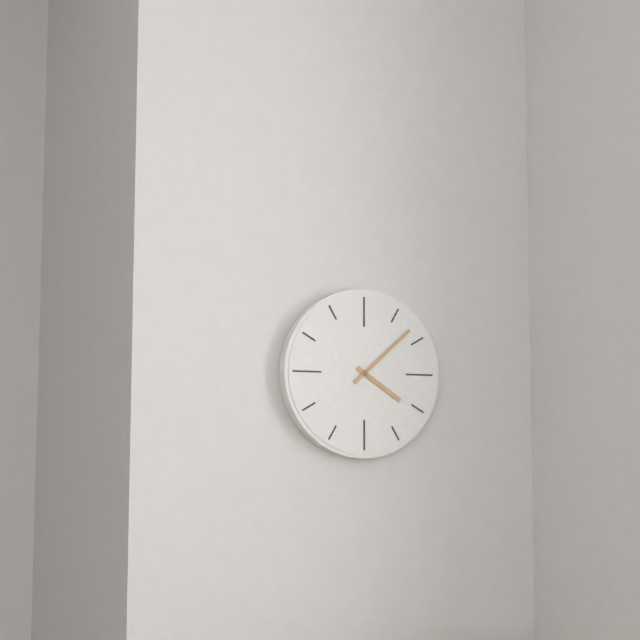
**4:08**
